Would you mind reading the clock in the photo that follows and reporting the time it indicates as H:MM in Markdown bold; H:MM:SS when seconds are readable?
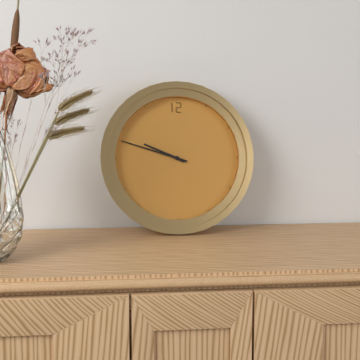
**9:48**
